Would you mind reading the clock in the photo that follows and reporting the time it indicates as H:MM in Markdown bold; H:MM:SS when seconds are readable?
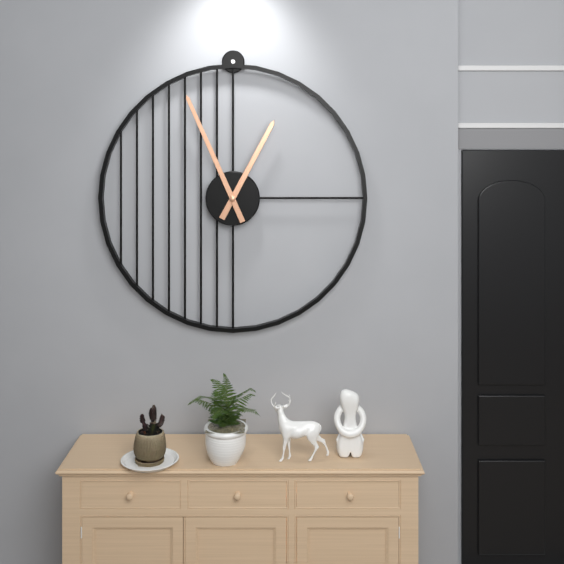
**12:56**
